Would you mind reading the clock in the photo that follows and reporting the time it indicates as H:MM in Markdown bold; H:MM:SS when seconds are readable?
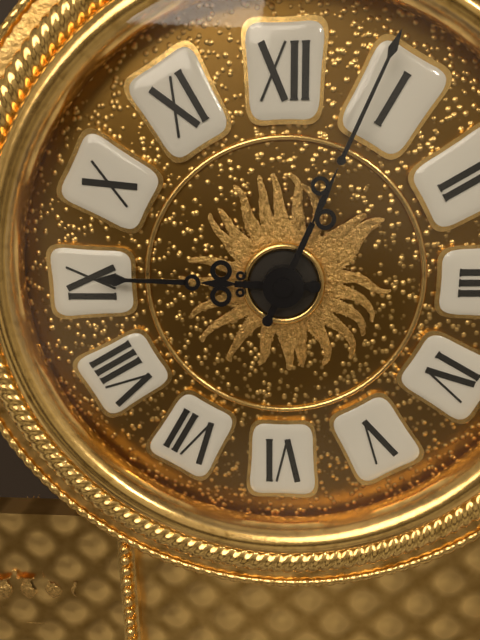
**9:04**
